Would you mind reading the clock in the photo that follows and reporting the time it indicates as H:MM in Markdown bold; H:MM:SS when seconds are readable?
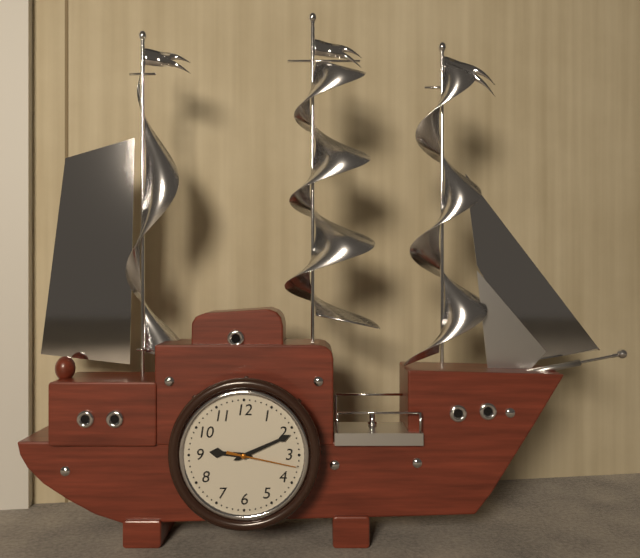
**9:11:17**
